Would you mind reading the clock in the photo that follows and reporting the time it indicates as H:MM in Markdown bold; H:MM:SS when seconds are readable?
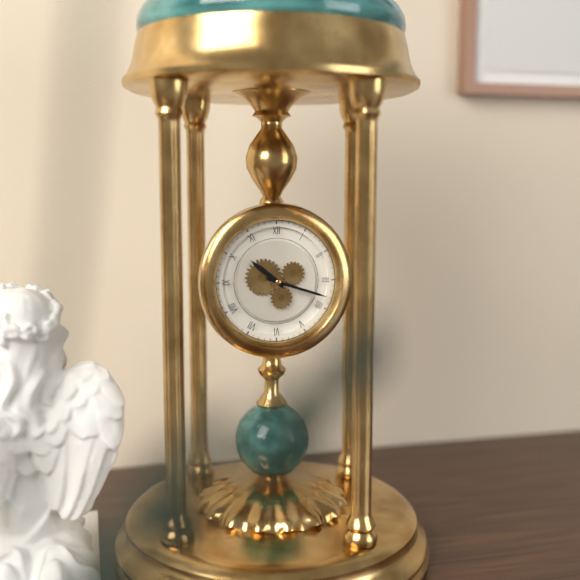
**10:18**
